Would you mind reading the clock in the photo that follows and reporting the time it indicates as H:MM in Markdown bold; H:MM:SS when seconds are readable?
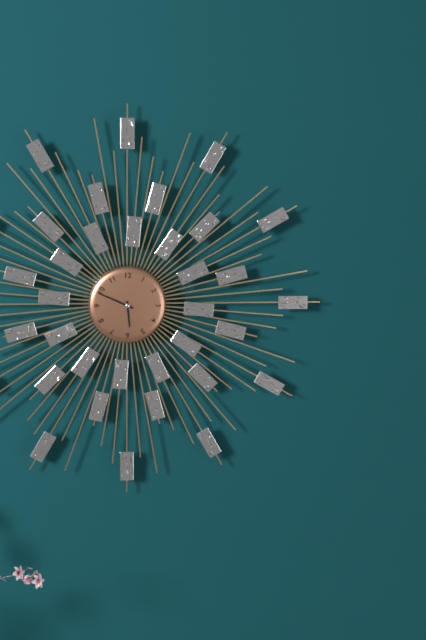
**5:49**
